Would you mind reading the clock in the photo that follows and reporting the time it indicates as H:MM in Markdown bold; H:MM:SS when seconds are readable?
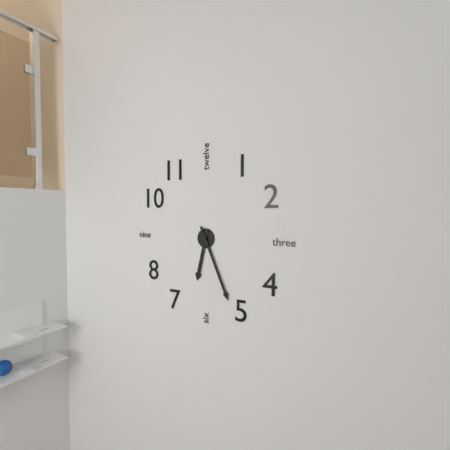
**6:26**
